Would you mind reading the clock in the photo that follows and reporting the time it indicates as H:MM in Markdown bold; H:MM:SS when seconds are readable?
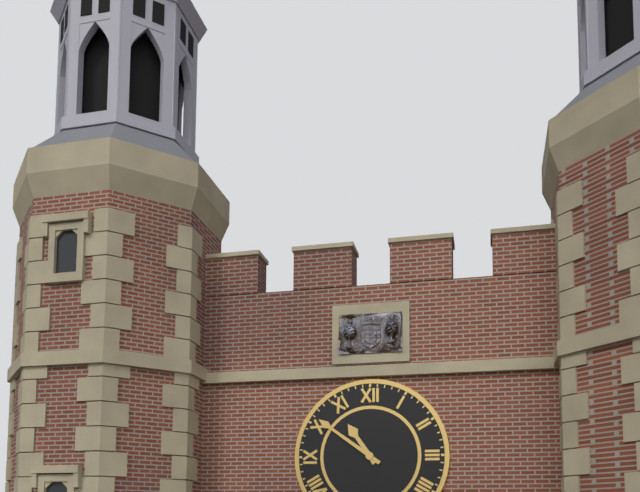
**10:51**
